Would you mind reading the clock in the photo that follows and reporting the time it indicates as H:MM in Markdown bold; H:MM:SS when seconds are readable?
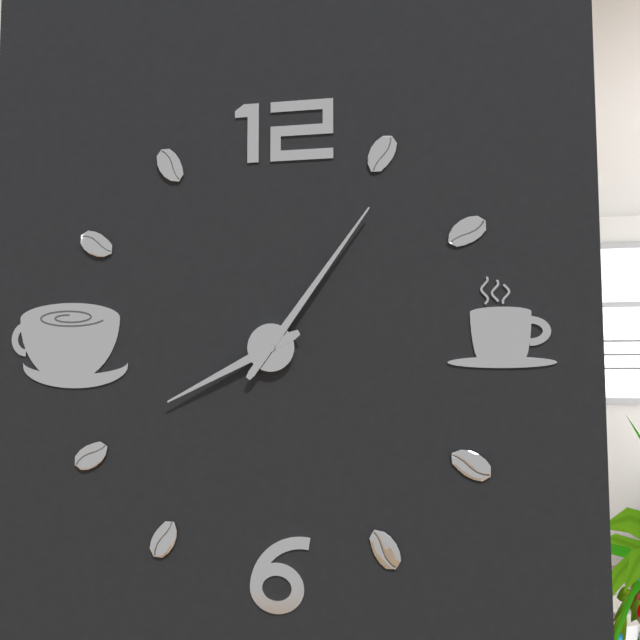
**8:06**
